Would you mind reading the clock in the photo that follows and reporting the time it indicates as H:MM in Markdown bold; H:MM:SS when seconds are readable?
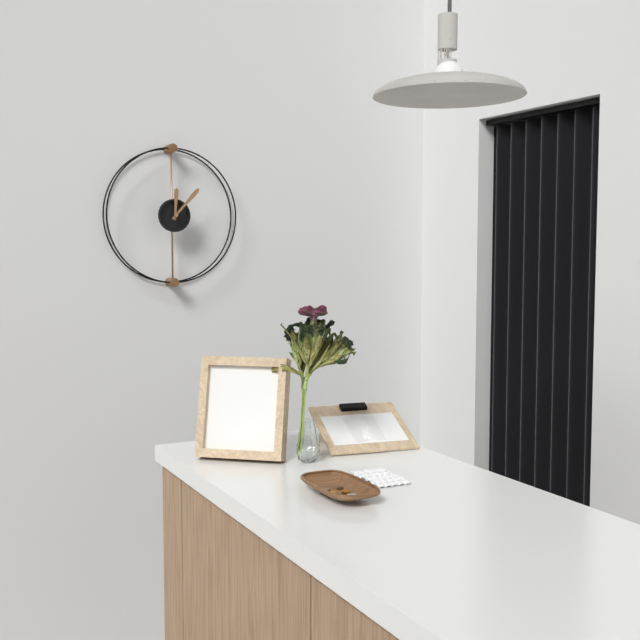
**12:07**
